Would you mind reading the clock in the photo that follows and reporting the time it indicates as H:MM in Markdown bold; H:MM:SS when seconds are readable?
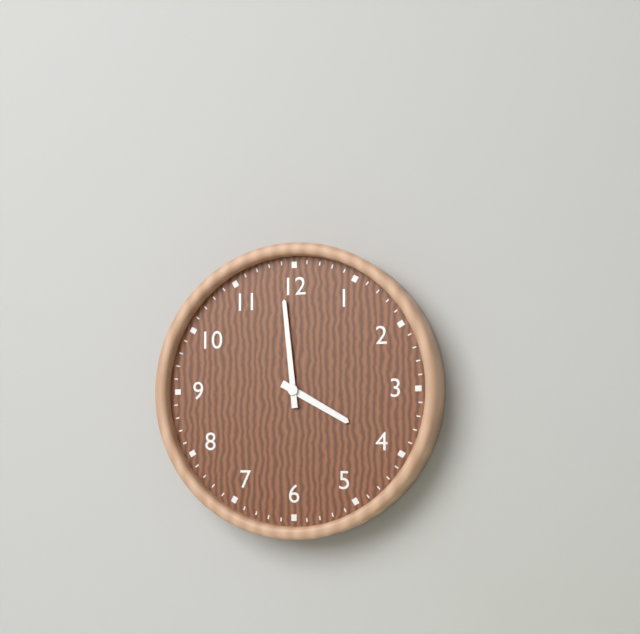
**3:59**
